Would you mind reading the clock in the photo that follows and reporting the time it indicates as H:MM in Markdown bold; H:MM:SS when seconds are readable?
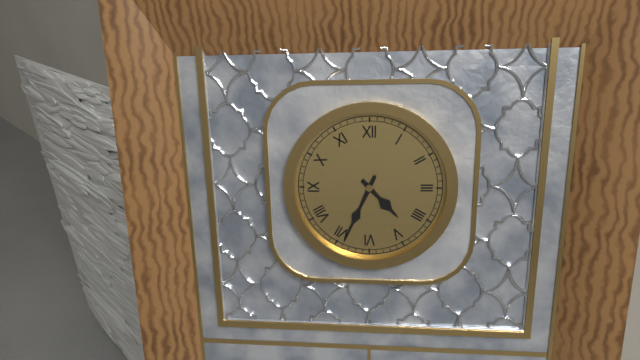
**4:34**
